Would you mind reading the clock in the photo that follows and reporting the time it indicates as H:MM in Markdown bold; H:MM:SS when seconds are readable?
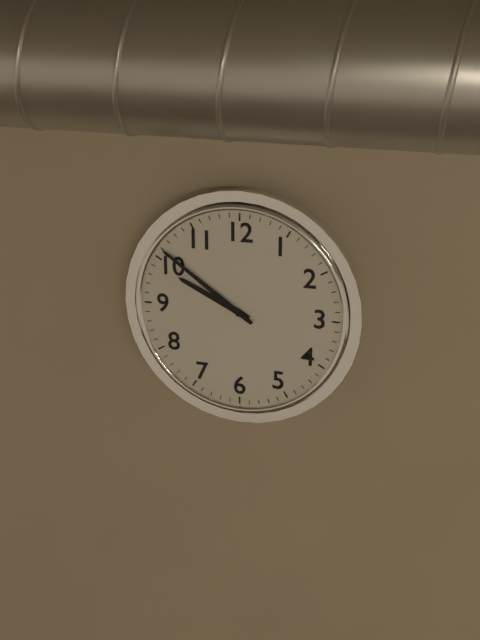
**9:51**
